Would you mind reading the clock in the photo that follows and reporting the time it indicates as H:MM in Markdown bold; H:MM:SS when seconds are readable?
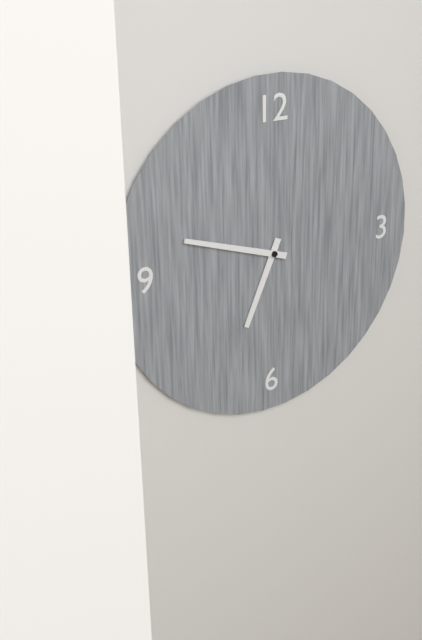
**6:48**
